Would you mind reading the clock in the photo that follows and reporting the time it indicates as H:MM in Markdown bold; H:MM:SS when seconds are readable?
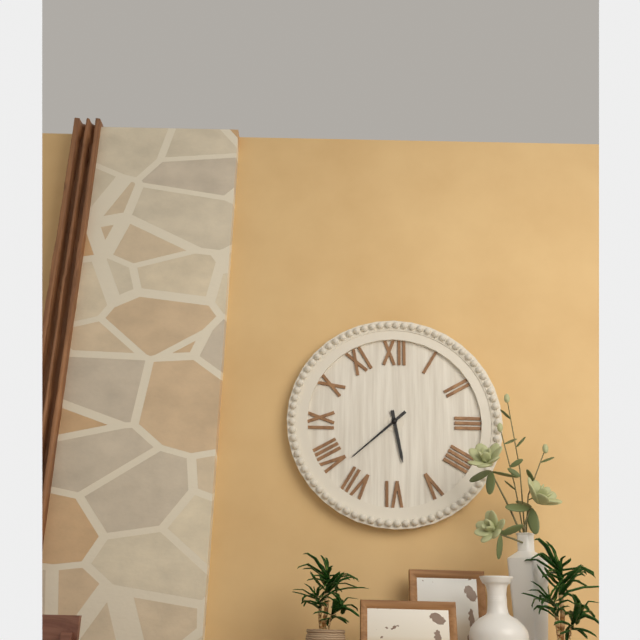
**5:38**
